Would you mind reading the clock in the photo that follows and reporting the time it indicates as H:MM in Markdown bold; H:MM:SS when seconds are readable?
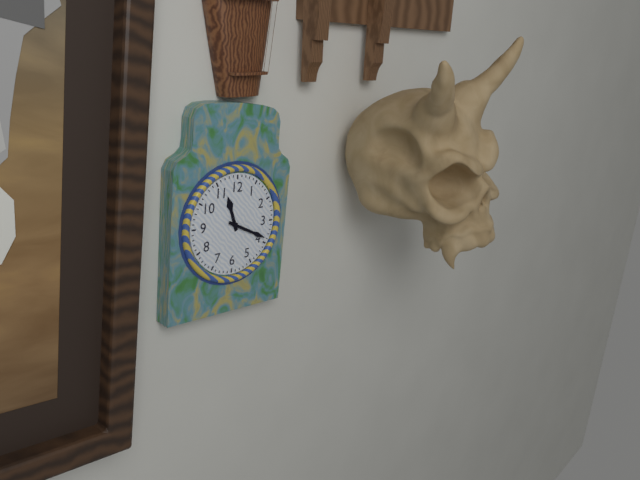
**11:19**
